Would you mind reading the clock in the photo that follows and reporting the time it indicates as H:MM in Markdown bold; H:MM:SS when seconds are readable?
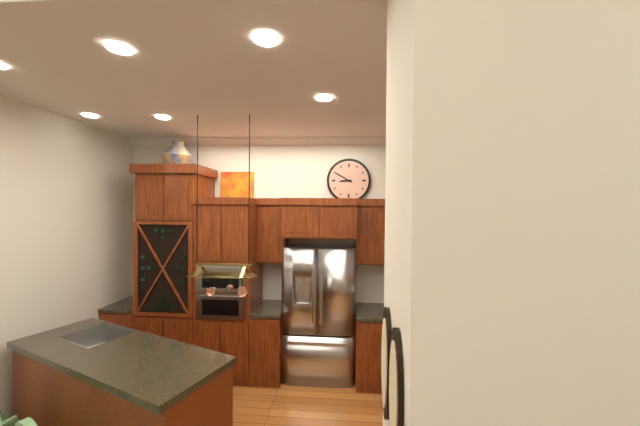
**8:50**
